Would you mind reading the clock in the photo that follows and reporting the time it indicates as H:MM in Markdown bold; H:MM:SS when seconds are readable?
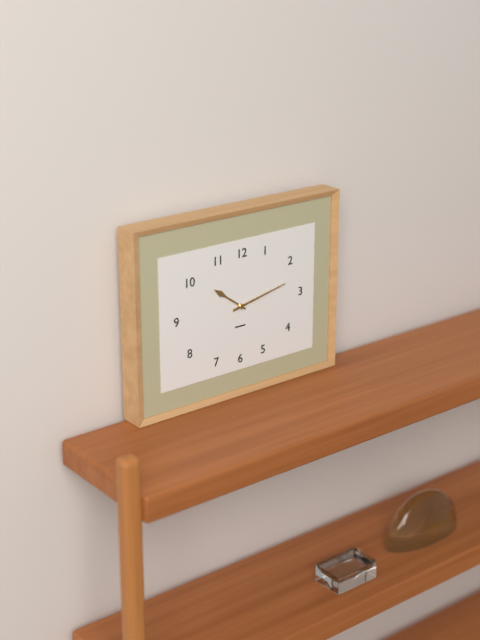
**10:13**
